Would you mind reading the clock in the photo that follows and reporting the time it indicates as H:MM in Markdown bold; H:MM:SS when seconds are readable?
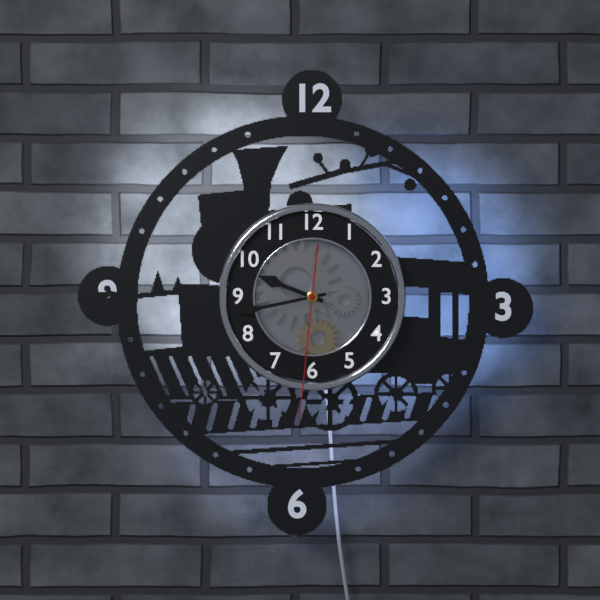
**9:43:31**
